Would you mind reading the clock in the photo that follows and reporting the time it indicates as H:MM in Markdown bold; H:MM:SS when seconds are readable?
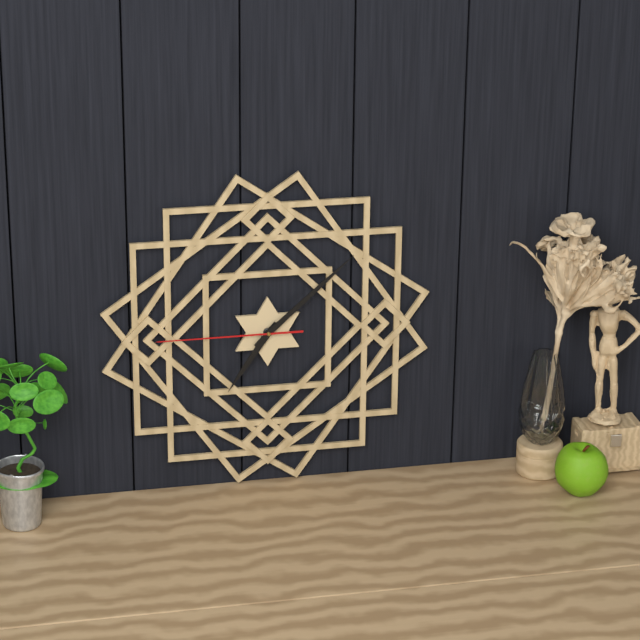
**7:08:45**
